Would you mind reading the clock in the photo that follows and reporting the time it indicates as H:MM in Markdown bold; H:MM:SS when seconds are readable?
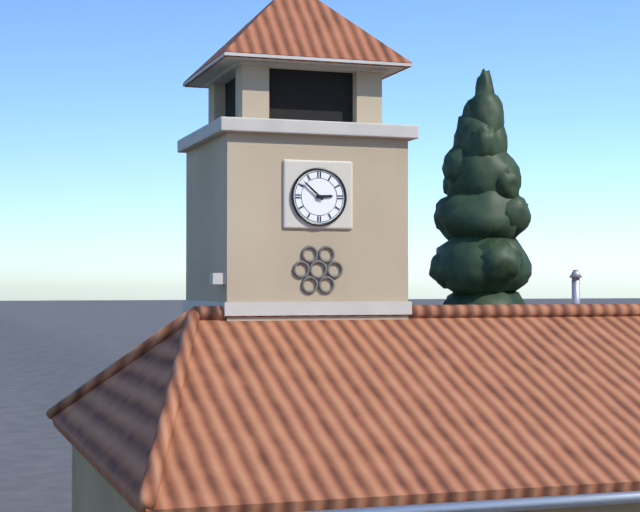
**2:52**
